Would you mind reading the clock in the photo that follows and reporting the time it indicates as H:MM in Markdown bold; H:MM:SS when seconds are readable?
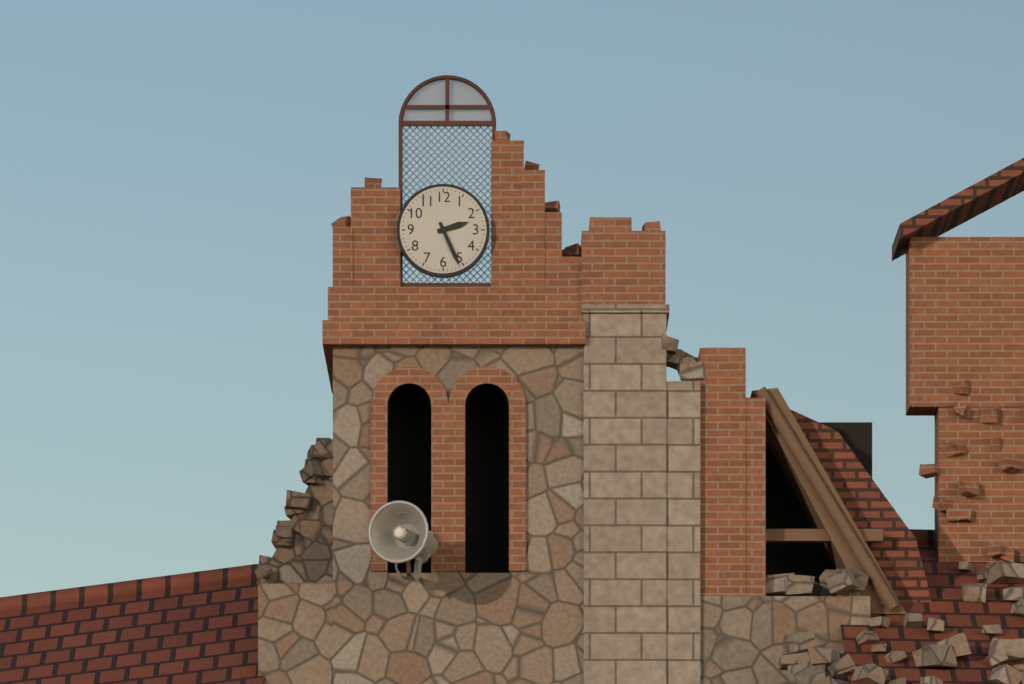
**2:26**
